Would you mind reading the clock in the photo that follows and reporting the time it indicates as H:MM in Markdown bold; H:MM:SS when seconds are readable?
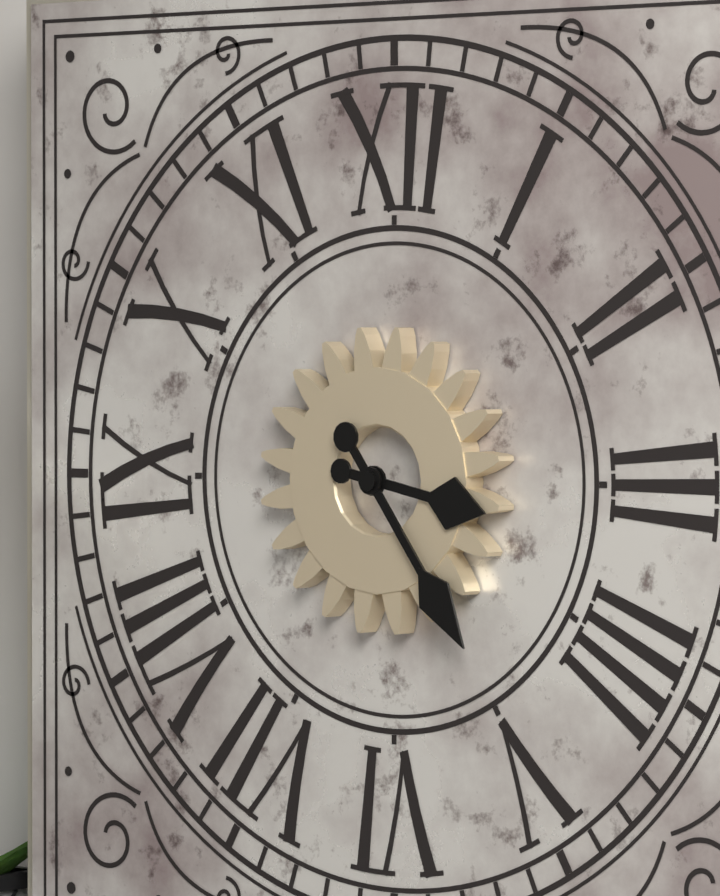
**3:24**
